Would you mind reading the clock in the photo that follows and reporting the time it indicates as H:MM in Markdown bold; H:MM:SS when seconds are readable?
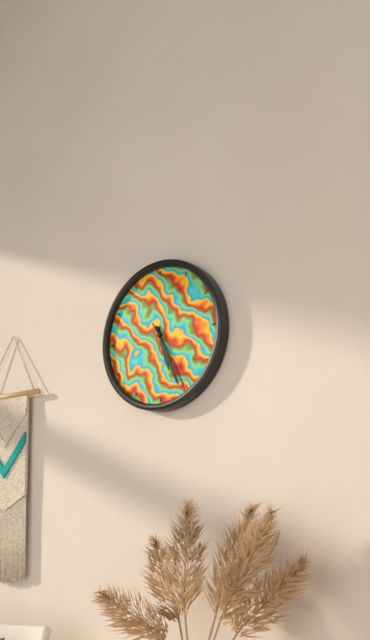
**5:26:25**
